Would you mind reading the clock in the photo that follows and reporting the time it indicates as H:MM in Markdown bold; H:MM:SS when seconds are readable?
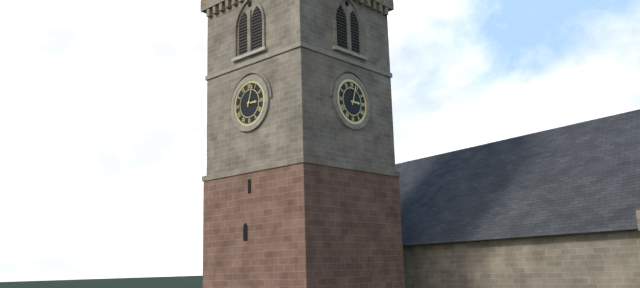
**3:03**
